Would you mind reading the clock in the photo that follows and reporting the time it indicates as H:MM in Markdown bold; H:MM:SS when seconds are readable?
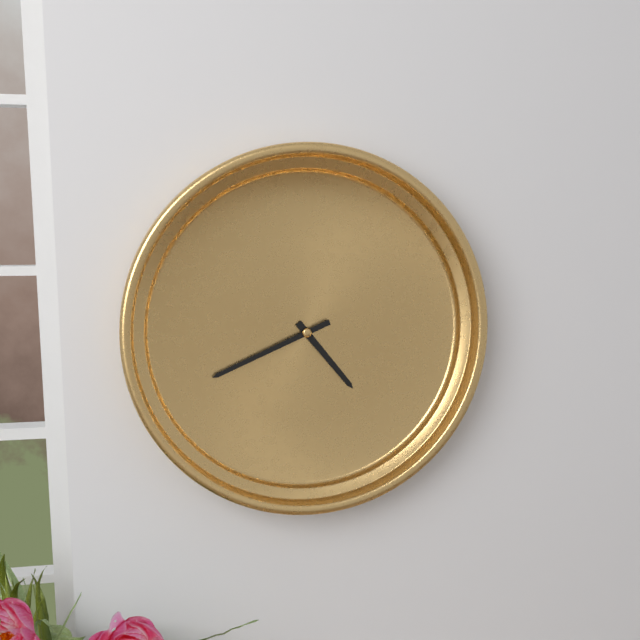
**4:41**
